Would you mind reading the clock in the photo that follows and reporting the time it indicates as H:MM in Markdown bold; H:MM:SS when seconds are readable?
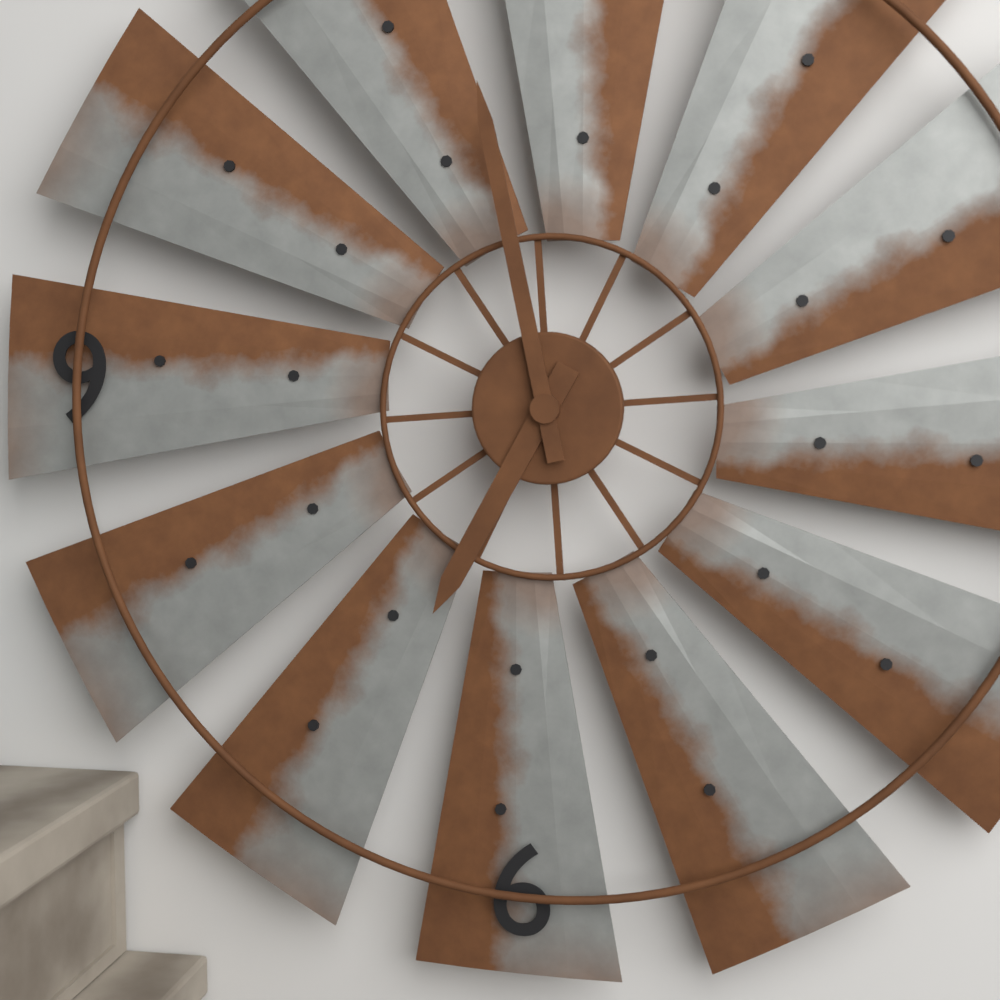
**6:58**
